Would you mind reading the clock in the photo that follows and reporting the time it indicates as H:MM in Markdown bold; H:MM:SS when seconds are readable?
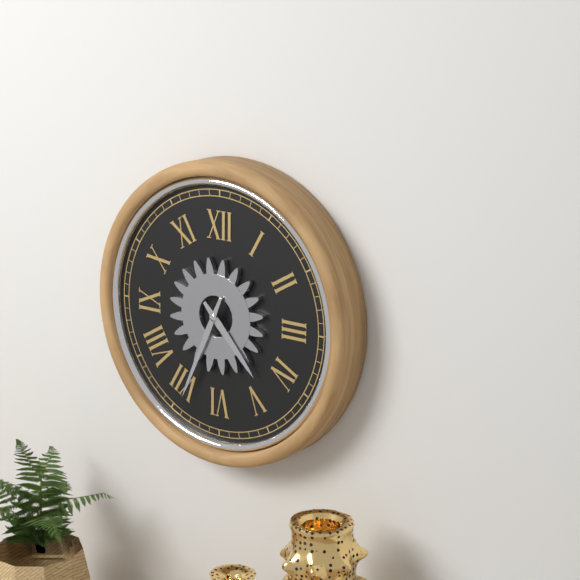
**4:34**
